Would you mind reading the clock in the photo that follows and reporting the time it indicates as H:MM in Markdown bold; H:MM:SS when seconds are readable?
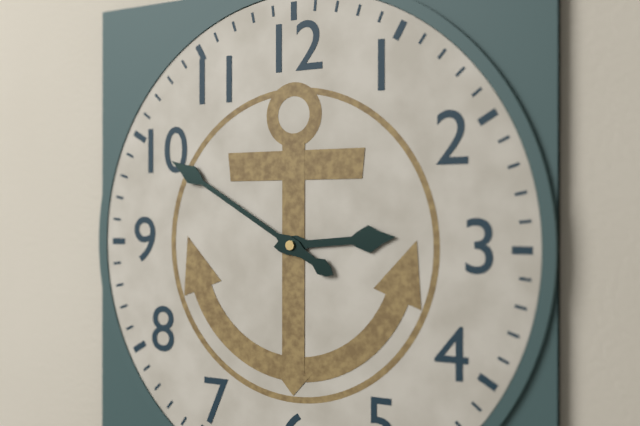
**2:50**
